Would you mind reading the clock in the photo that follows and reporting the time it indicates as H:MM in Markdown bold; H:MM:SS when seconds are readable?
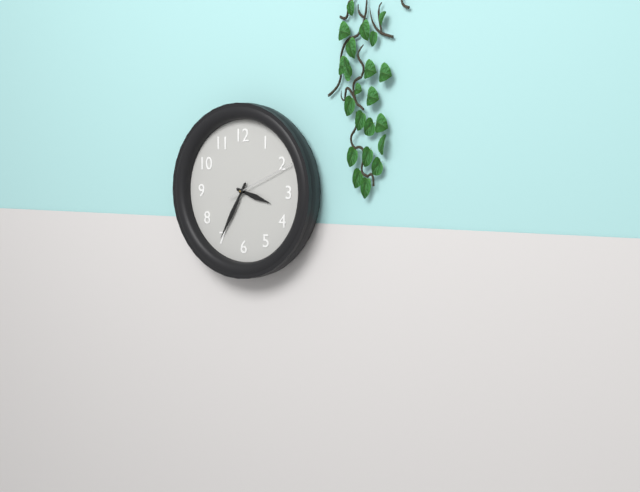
**3:35:11**
